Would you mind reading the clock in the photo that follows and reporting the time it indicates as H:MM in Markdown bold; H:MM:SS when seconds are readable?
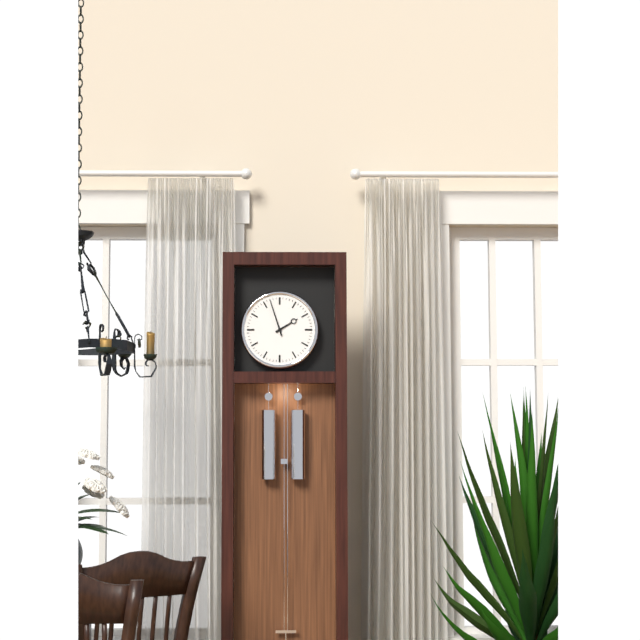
**1:57**
